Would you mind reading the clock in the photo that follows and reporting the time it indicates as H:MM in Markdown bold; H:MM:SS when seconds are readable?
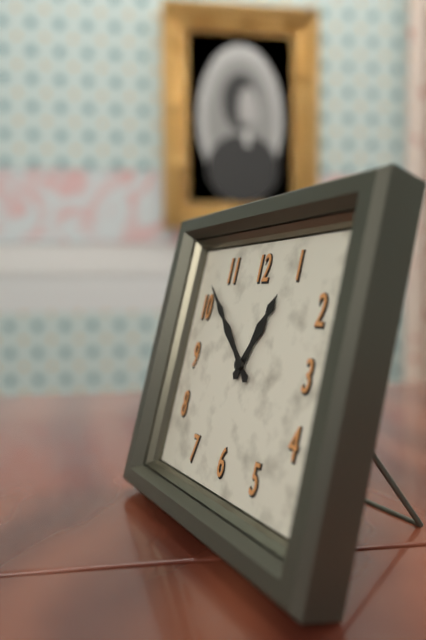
**12:52**
